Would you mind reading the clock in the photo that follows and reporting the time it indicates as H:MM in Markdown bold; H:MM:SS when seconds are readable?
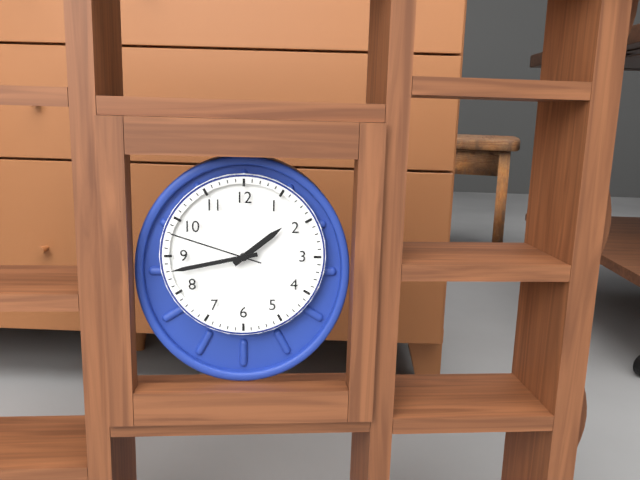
**1:43:48**
